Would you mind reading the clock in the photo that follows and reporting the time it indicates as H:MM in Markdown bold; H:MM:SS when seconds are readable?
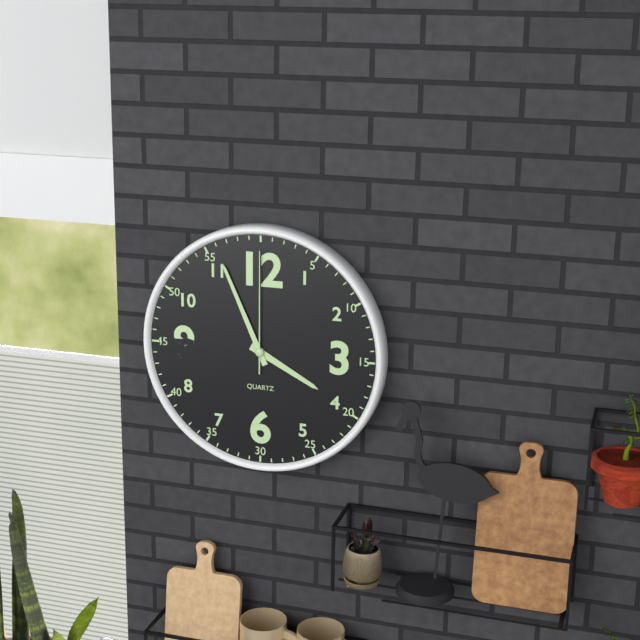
**3:56:00**
